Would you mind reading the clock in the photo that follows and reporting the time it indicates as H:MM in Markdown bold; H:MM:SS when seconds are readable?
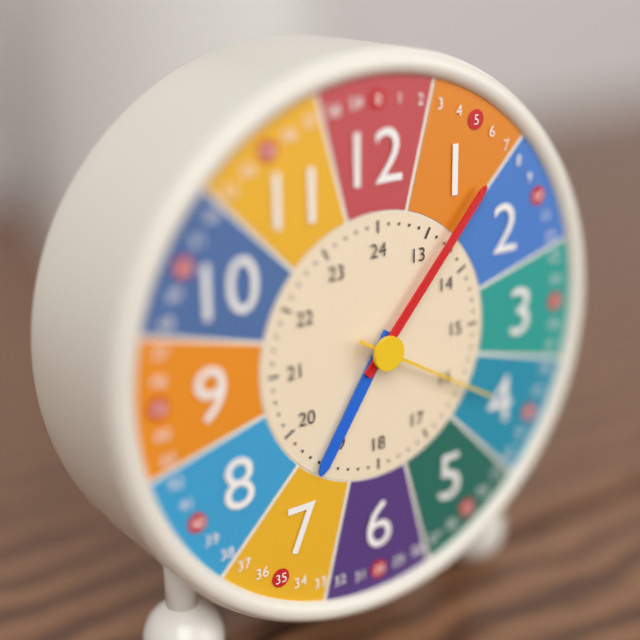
**7:07:20**
